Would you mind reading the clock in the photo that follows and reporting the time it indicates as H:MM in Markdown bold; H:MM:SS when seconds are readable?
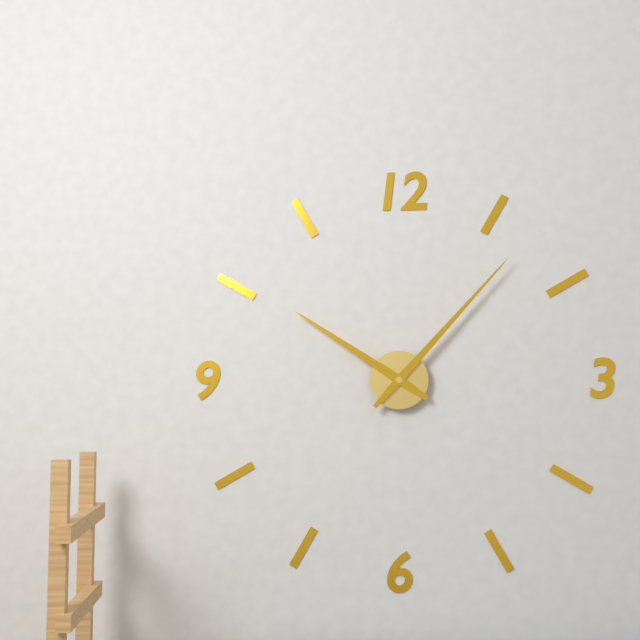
**10:07**
